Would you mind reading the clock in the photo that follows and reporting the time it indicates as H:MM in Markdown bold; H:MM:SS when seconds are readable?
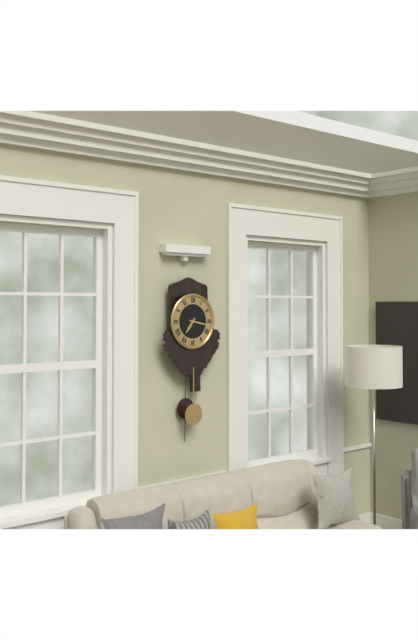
**7:17**
